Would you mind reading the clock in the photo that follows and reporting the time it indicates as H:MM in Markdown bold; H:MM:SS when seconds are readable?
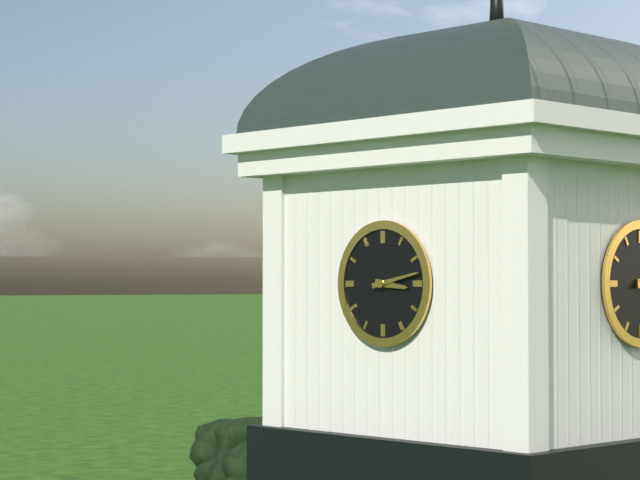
**3:13**
